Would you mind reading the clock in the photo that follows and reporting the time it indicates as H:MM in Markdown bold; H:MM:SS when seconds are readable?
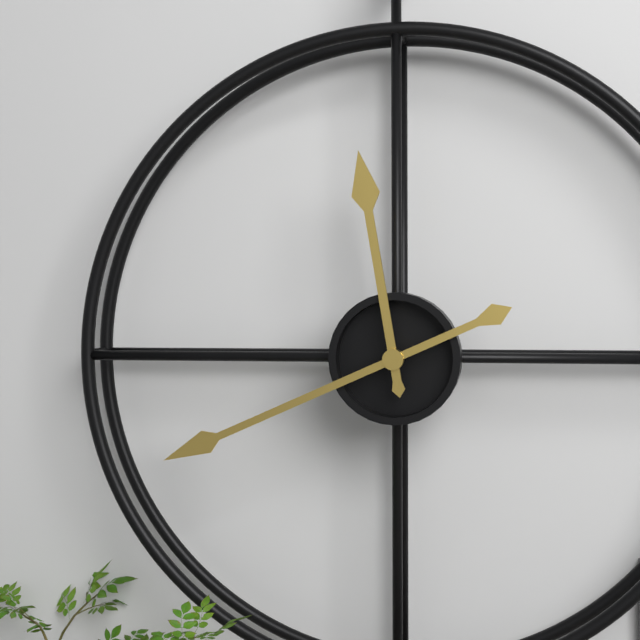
**11:41**
